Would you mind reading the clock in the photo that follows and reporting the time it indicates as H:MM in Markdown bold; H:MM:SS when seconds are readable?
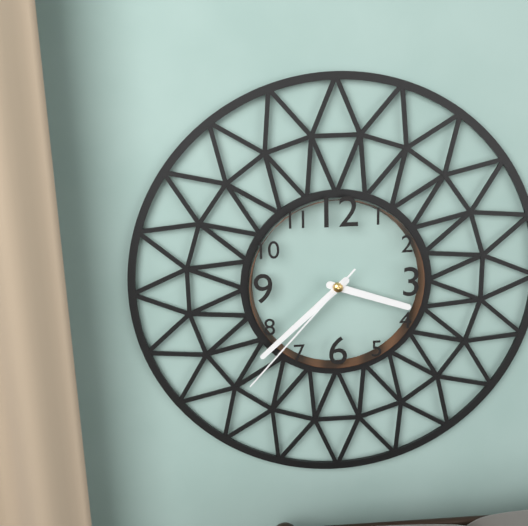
**3:38:37**
